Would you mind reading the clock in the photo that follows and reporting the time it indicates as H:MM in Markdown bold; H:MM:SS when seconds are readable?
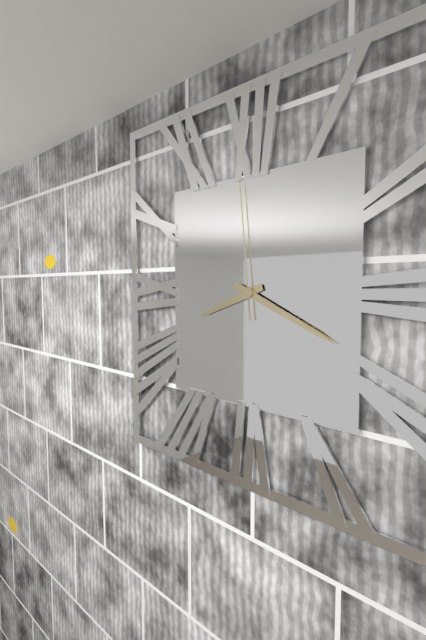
**8:19:59**
